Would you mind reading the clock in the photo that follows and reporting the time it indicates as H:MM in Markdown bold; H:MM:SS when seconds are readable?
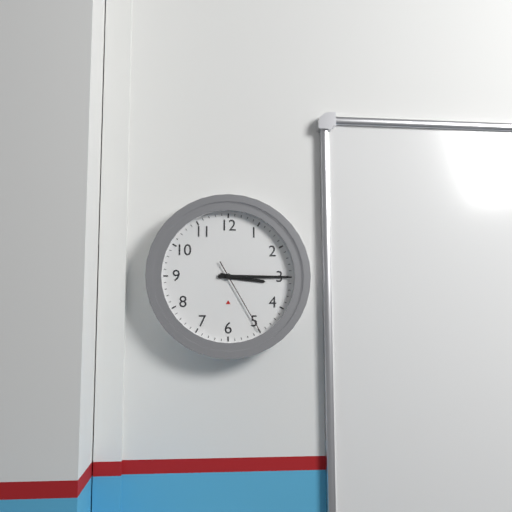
**3:15:25**
